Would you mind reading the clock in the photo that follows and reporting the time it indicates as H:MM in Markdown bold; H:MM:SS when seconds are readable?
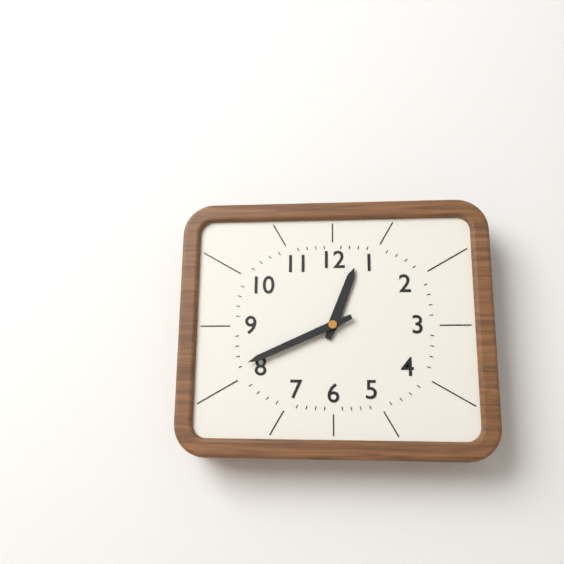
**12:41**
